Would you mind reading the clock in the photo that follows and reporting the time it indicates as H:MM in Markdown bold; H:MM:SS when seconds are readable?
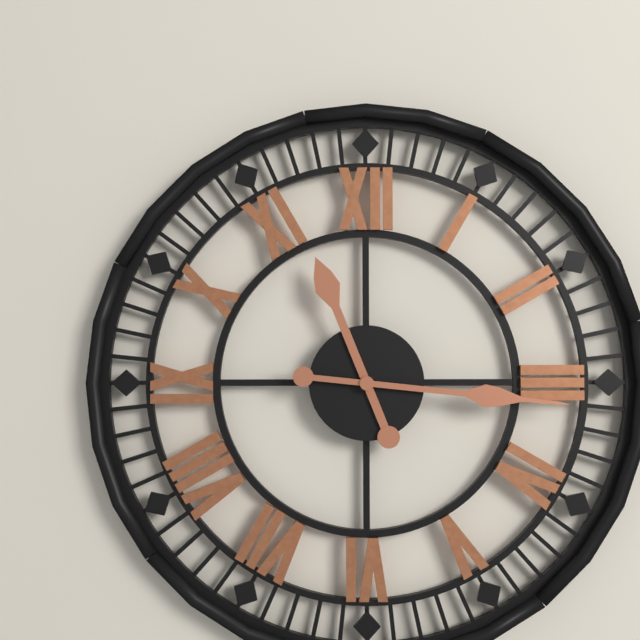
**11:16**
